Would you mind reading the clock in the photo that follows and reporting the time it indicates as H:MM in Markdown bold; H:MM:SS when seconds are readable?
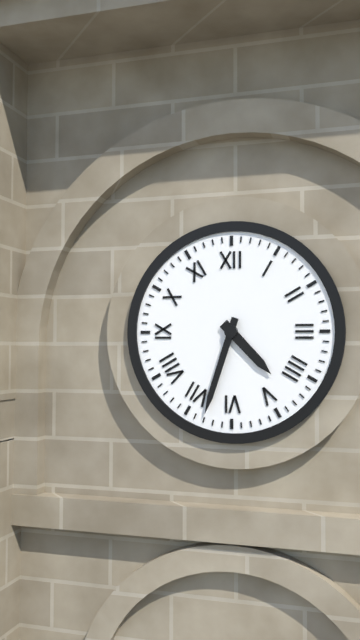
**4:33**
